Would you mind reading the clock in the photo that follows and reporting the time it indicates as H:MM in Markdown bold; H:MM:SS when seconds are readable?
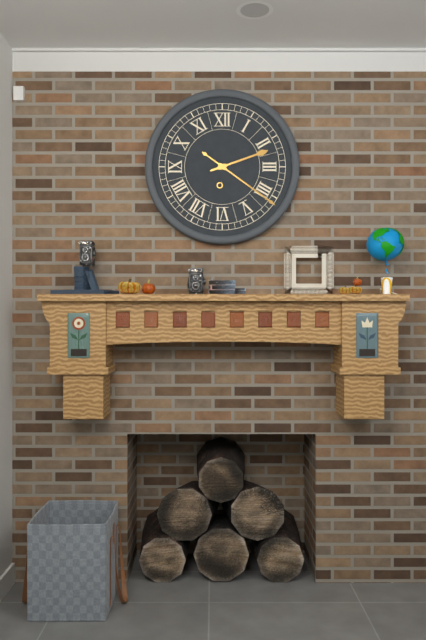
**2:21**
